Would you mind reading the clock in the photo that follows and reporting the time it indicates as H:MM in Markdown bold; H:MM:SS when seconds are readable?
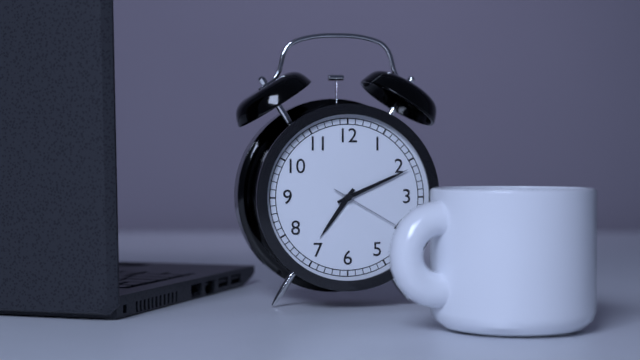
**7:11:20**
